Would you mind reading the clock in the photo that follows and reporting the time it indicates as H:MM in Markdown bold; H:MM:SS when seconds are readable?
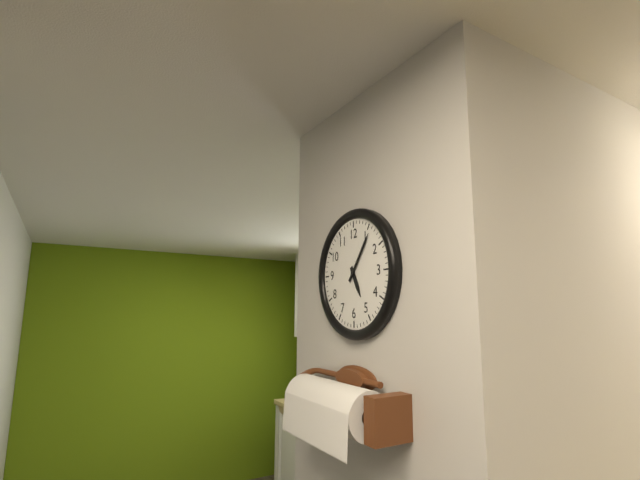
**5:06**
